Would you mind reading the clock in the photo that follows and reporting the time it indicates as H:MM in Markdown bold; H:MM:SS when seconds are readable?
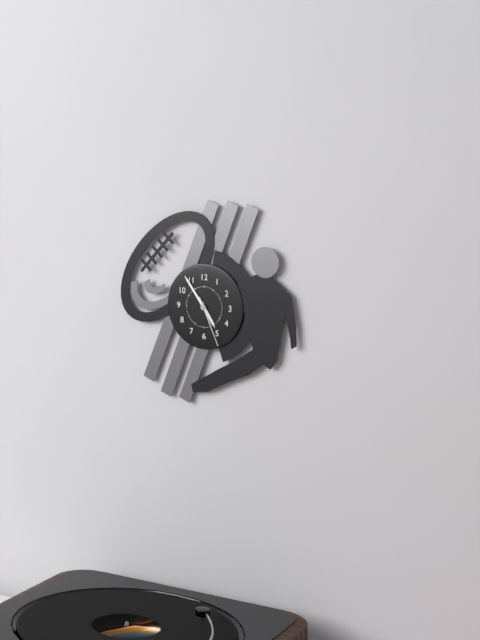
**4:54:26**
